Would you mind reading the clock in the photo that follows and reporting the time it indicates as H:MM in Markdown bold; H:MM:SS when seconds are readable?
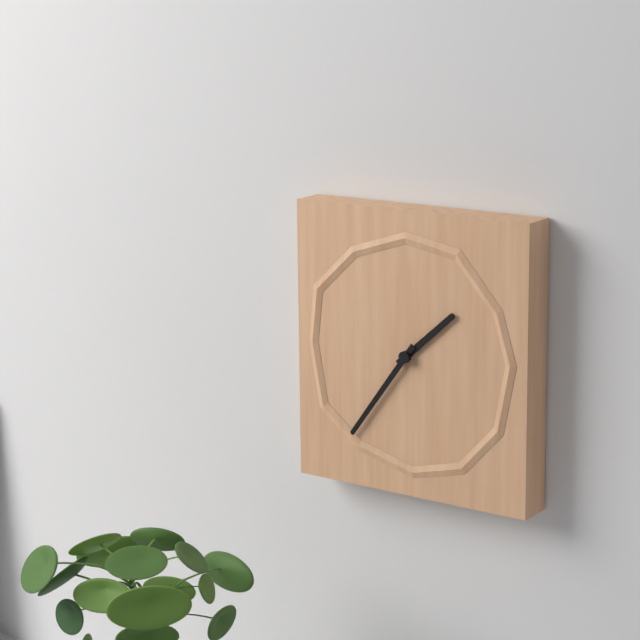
**1:36**
